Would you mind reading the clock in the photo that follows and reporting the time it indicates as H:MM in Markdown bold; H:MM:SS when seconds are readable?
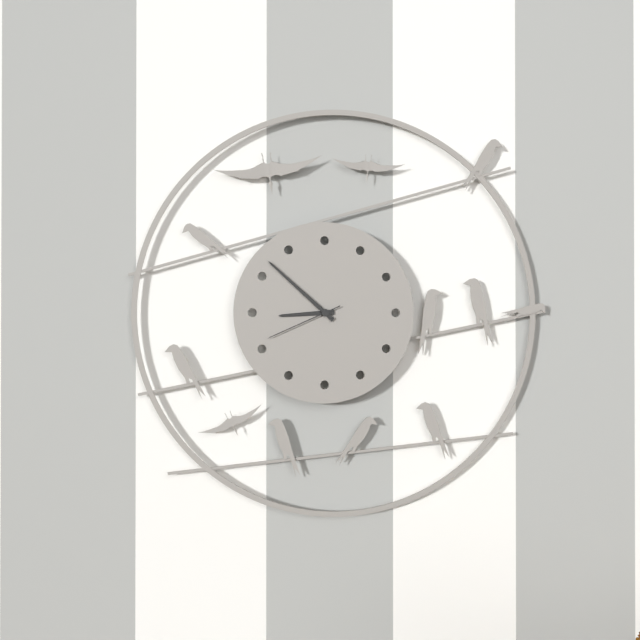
**8:52:41**
